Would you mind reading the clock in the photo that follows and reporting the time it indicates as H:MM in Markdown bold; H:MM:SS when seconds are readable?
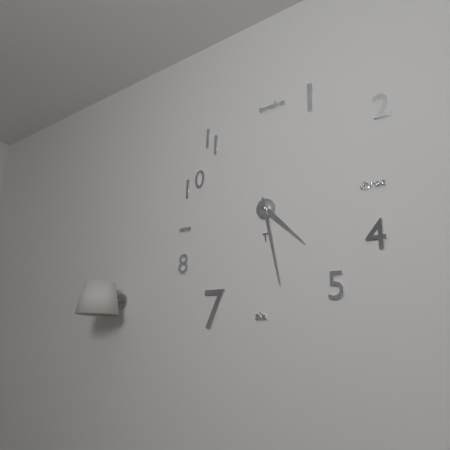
**4:28**
